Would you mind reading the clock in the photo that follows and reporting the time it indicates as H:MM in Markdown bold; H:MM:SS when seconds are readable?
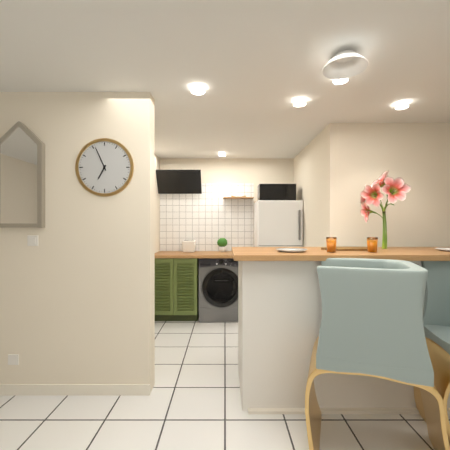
**6:56**
